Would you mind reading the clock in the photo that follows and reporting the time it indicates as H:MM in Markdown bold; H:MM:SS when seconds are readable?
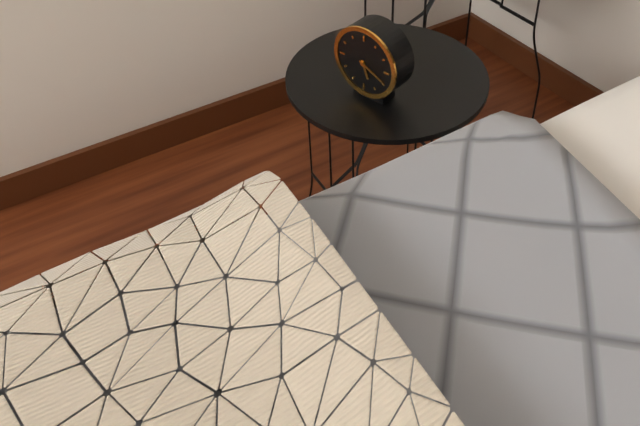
**5:19**
